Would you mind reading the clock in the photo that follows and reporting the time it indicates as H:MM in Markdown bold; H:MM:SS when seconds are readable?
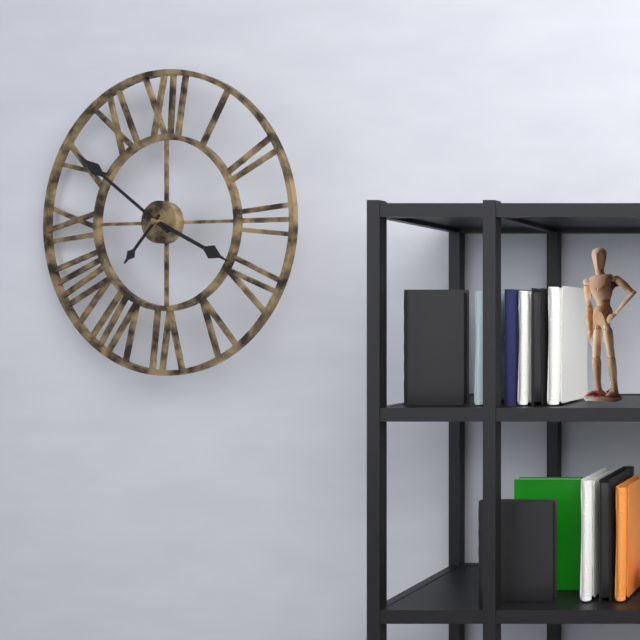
**3:51:37**
